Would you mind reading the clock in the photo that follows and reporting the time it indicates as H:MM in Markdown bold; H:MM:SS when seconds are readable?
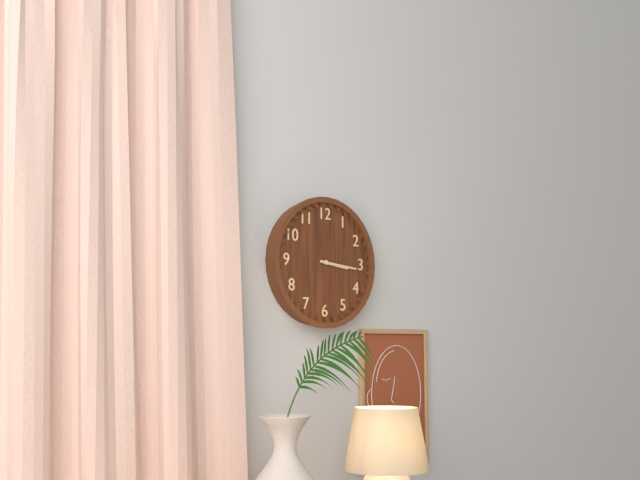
**3:16**
